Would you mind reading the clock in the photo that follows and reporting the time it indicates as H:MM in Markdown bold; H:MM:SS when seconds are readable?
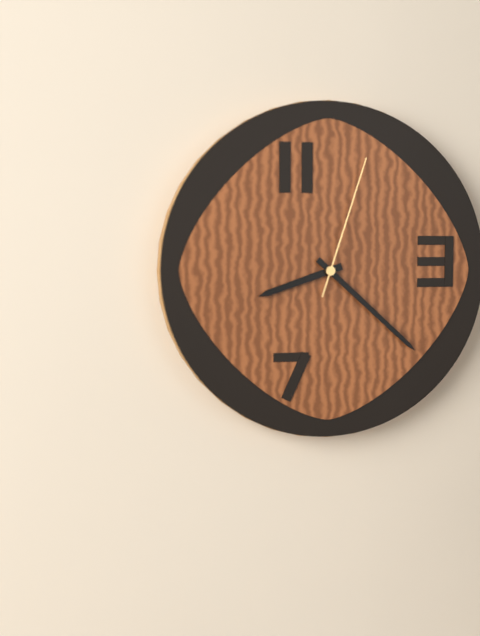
**8:22:03**
